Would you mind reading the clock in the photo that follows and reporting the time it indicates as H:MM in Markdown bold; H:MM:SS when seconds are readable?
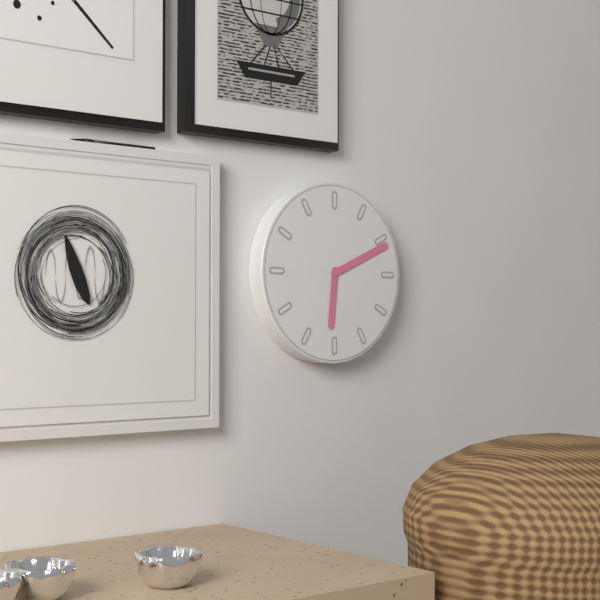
**6:11**
